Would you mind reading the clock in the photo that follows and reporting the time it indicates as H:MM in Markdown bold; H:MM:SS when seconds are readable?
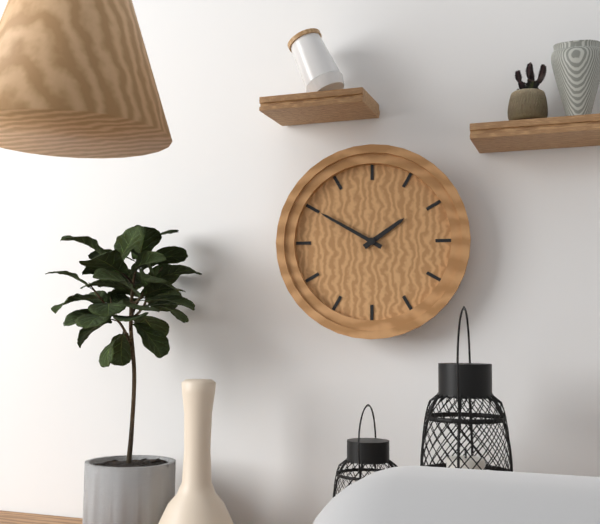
**1:50**
